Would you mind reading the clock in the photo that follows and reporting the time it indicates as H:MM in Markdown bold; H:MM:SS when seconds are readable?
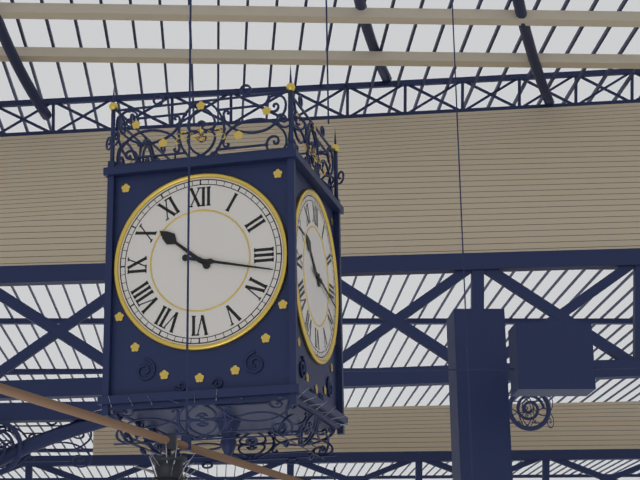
**10:17**
